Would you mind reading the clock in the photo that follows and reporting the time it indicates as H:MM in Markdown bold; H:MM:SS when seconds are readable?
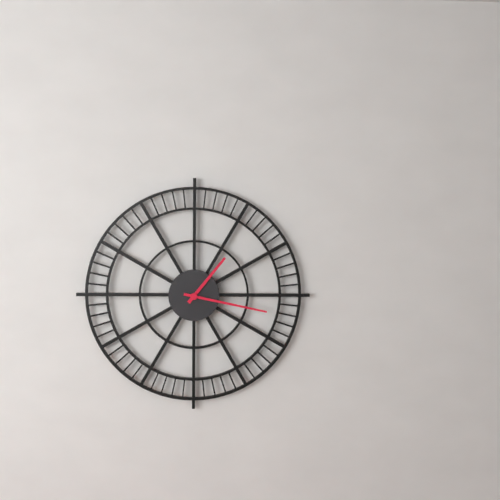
**1:17**
